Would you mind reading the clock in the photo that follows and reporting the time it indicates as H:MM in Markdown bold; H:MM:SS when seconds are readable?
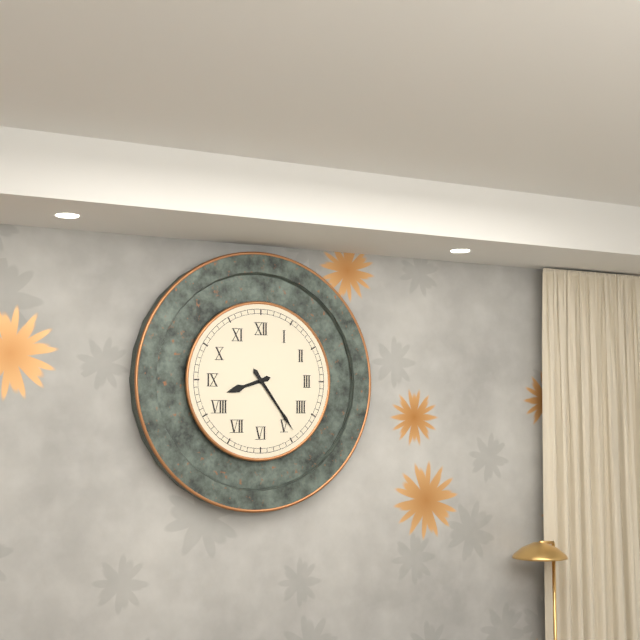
**8:24**
